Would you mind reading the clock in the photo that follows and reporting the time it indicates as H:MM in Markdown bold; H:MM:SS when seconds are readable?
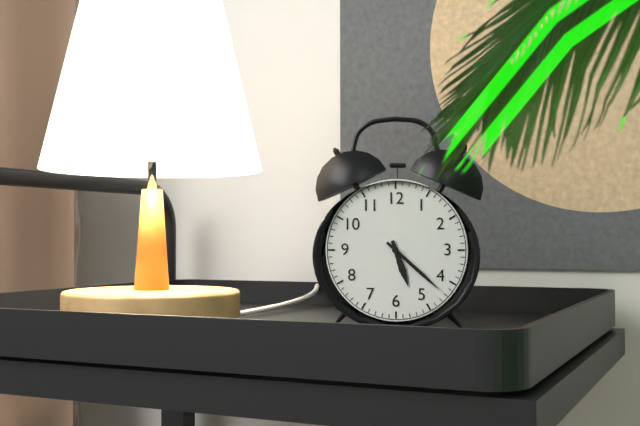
**5:22**
